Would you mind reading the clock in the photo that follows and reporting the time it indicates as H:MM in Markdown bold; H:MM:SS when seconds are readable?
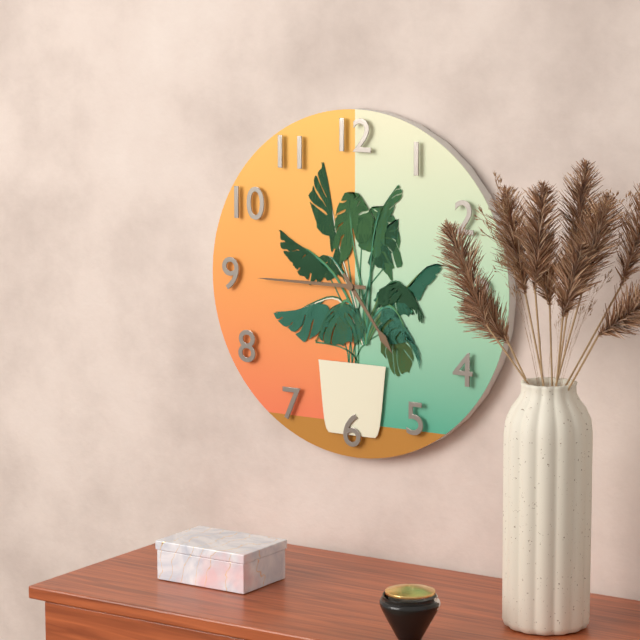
**4:45**
